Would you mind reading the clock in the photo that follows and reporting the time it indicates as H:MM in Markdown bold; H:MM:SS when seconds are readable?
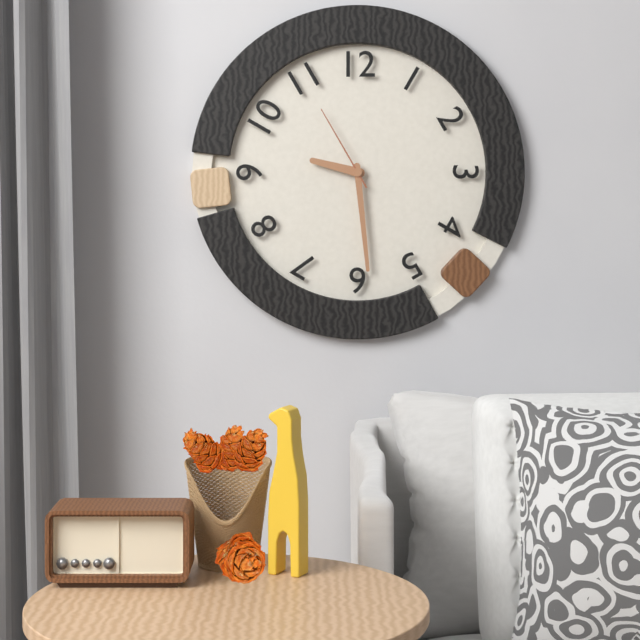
**9:29:55**
